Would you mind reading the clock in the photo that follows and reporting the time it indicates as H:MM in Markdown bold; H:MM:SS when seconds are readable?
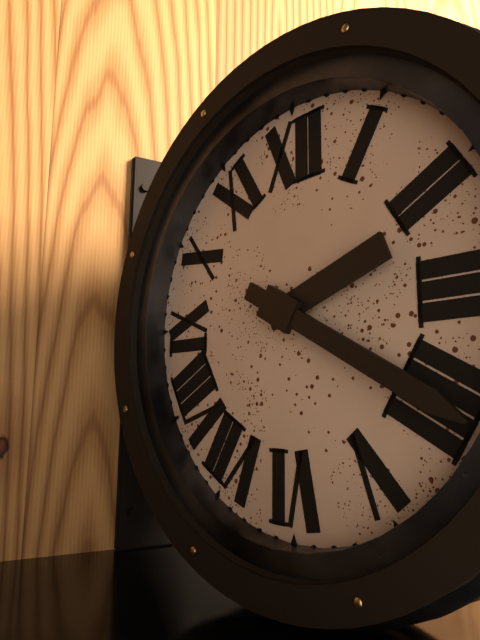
**2:20**
